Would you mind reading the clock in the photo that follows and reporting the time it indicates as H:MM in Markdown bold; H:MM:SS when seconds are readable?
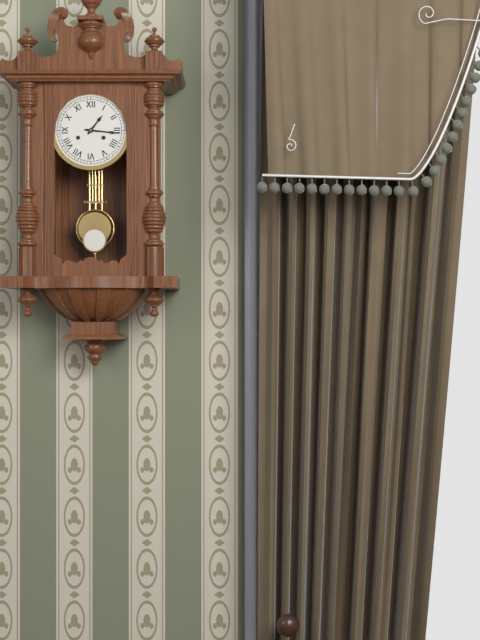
**1:16**
